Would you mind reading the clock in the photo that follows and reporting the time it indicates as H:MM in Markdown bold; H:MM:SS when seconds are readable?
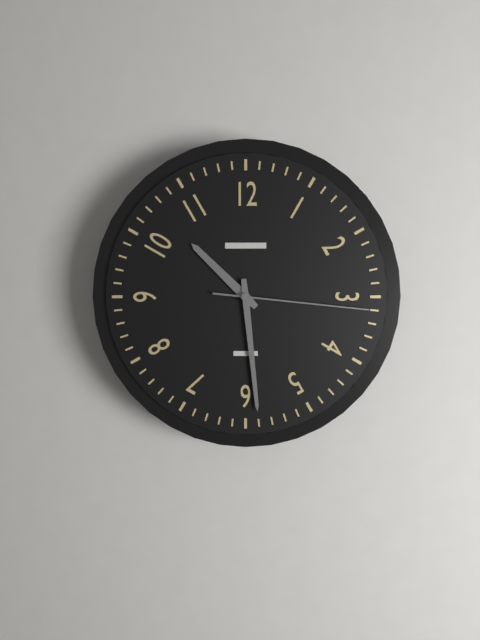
**10:29:16**
